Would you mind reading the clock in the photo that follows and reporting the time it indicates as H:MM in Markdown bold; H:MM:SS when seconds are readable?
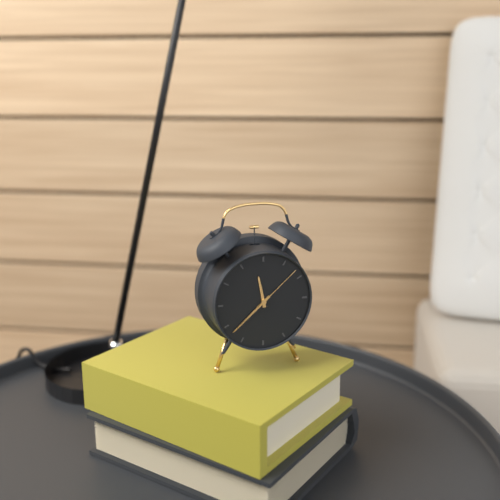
**11:38:08**
